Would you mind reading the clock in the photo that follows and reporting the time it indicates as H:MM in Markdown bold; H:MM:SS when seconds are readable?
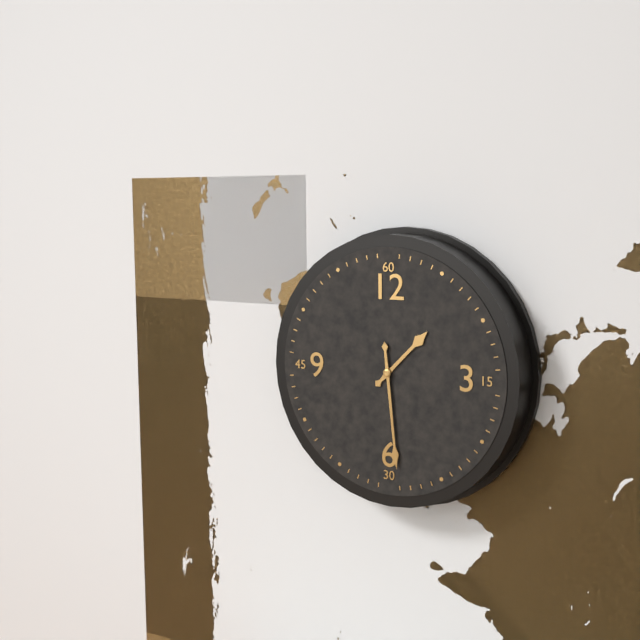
**1:29**
